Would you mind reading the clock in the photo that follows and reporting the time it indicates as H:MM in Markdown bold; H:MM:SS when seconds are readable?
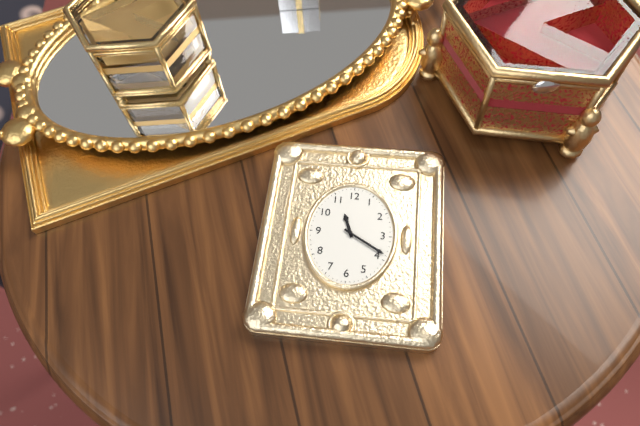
**11:20**
